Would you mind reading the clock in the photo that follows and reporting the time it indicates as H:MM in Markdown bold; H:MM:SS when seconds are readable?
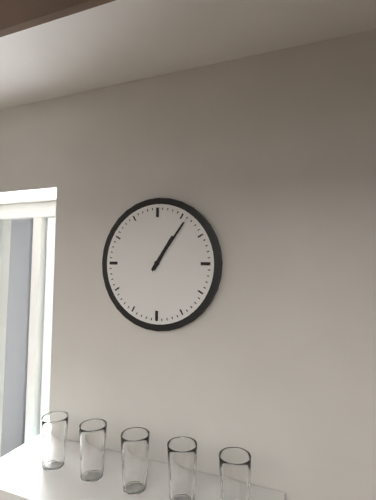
**1:06**
